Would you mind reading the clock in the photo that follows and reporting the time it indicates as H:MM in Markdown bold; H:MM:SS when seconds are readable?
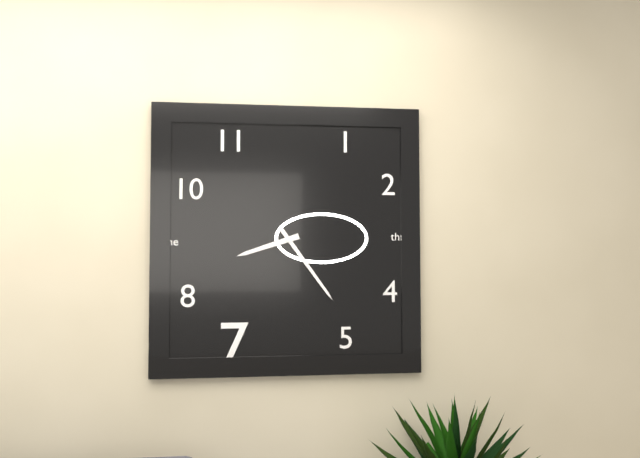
**8:24**
